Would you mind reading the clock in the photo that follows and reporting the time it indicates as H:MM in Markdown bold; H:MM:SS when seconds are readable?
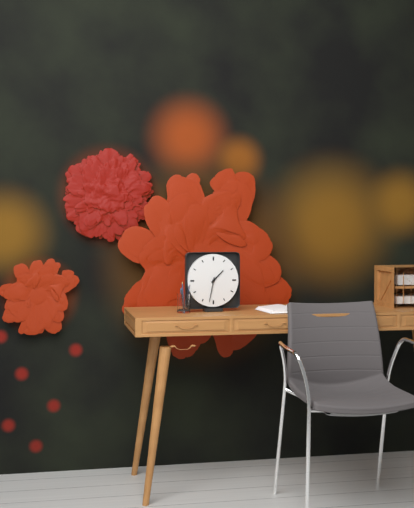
**1:32**
